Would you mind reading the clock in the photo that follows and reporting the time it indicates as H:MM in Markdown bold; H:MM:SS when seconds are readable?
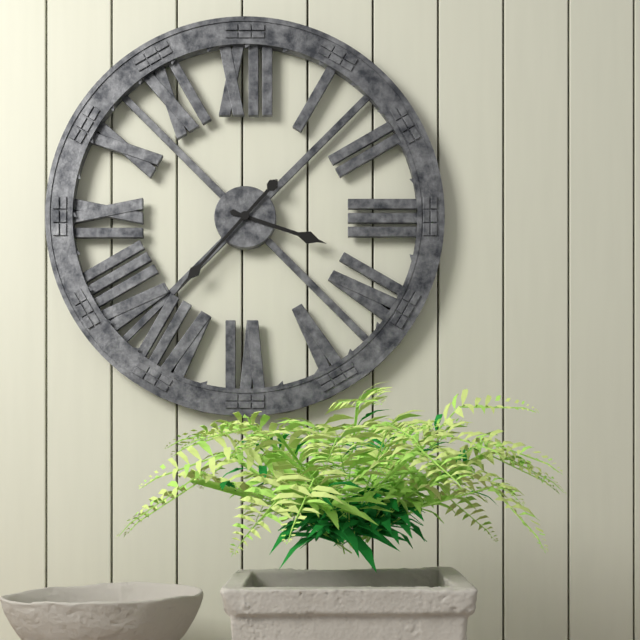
**3:37**
